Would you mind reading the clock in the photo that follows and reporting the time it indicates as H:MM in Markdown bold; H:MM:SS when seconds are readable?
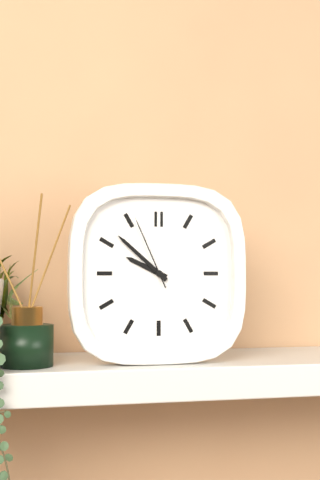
**9:52:56**
